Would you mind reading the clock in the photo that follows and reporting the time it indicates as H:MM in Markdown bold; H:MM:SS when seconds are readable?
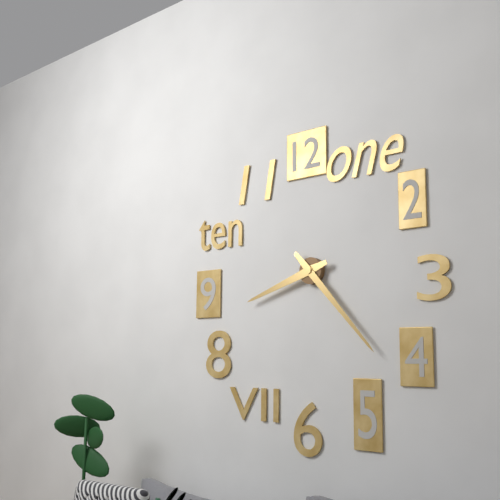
**8:23**
